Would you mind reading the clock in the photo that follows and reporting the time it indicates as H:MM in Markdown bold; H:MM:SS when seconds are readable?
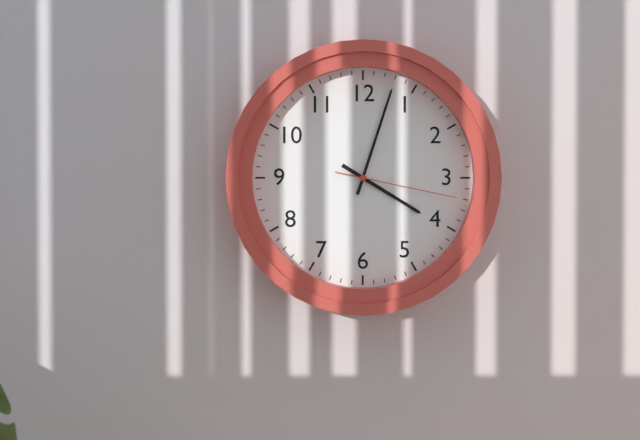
**4:03:17**
